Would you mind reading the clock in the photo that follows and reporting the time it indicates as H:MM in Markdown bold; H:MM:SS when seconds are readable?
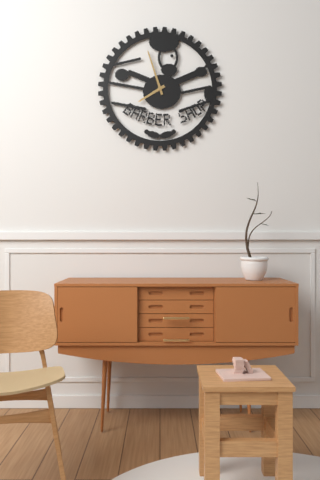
**7:57**
